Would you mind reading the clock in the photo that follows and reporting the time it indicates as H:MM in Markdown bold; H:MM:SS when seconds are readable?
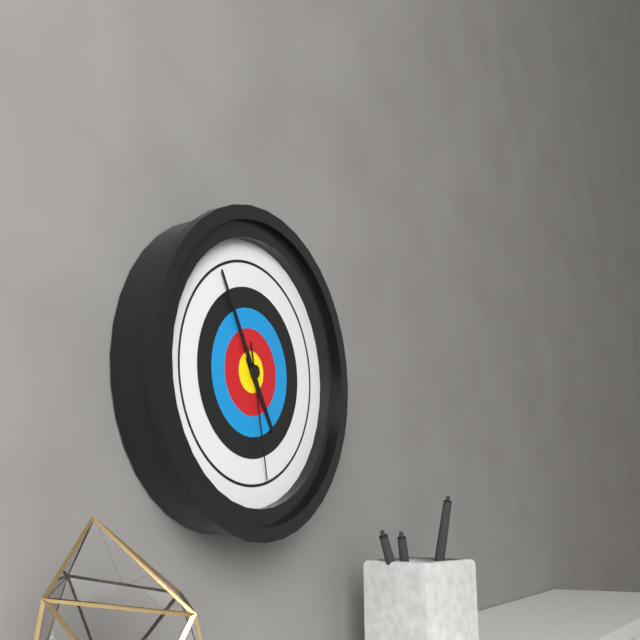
**4:55:28**
